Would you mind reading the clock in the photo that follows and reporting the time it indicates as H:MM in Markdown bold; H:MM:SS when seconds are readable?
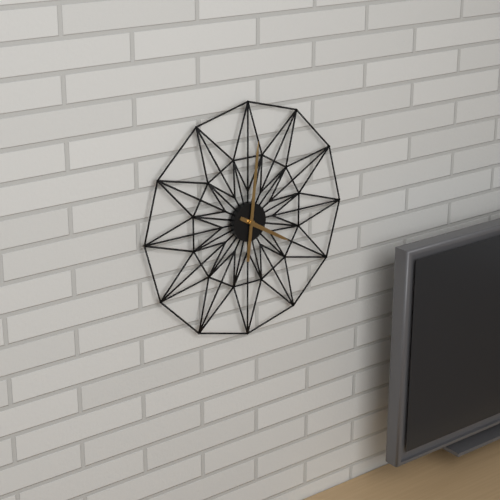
**4:01**
